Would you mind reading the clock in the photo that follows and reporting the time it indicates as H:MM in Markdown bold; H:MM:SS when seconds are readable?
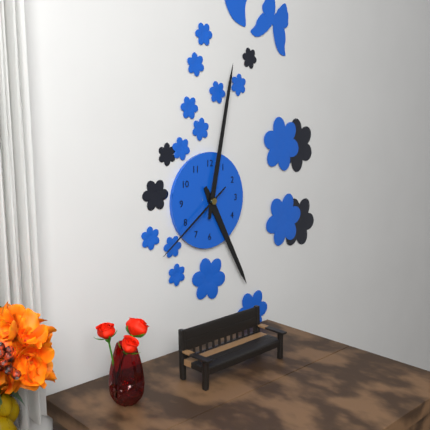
**5:02:39**
